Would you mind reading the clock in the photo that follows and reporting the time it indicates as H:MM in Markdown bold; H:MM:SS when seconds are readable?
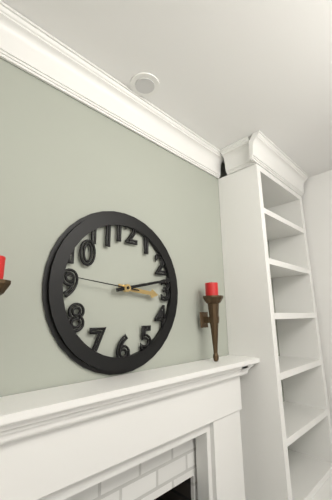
**3:13:46**
